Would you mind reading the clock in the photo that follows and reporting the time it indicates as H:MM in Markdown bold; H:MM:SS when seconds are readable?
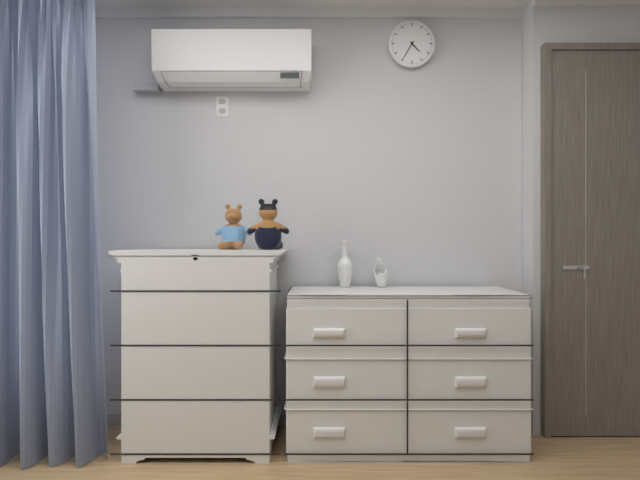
**4:35**
